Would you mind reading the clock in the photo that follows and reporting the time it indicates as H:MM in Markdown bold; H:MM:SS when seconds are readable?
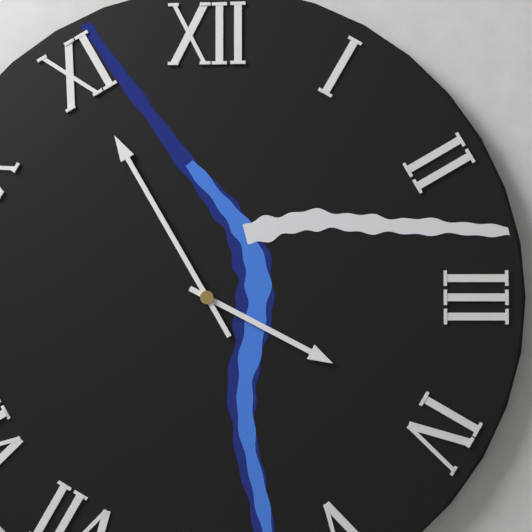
**3:55**
